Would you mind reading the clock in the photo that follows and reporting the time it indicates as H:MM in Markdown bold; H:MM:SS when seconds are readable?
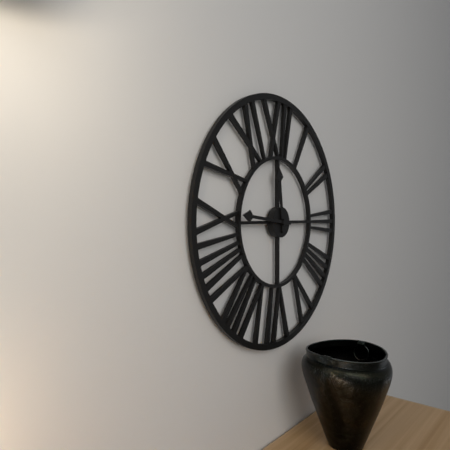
**11:46**
